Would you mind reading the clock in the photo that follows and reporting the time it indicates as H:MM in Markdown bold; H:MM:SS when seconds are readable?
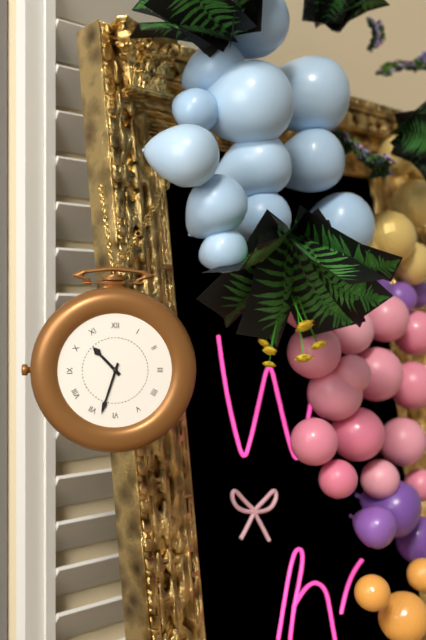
**10:33**
